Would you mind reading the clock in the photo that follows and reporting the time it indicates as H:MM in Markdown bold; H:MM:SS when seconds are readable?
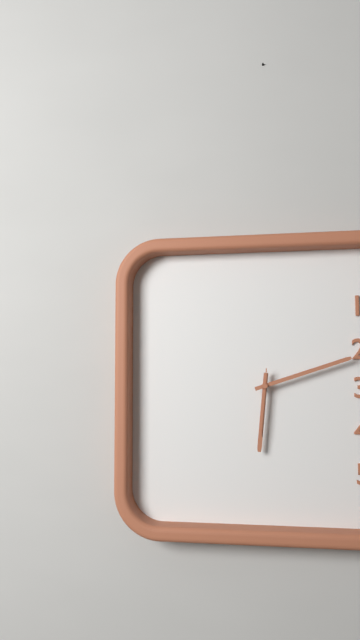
**6:12:31**
